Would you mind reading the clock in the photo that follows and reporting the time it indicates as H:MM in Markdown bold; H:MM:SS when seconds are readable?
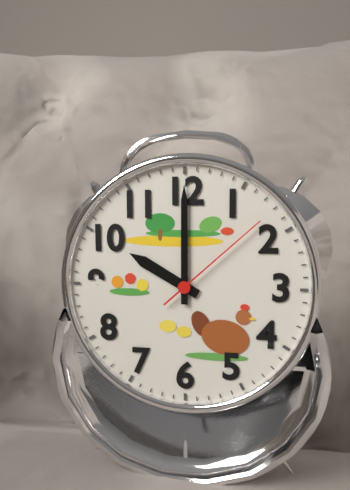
**10:00:08**
